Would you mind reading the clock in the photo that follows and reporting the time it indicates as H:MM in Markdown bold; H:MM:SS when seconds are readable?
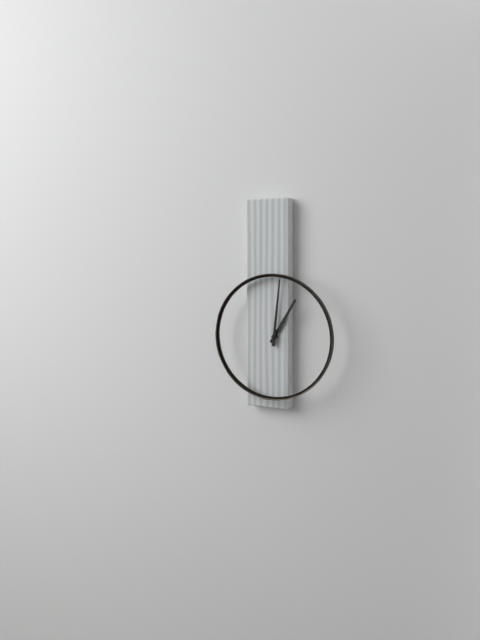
**1:01**
